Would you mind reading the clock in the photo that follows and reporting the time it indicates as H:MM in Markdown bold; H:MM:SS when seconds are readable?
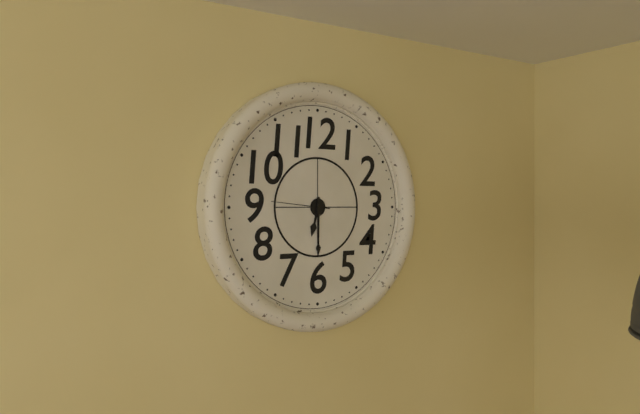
**6:30:46**
